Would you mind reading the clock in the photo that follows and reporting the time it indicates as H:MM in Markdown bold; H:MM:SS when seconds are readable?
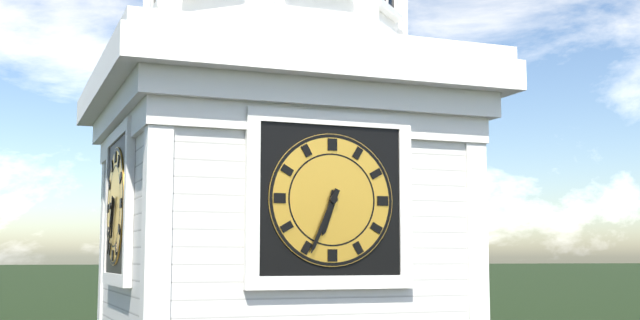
**6:34**
